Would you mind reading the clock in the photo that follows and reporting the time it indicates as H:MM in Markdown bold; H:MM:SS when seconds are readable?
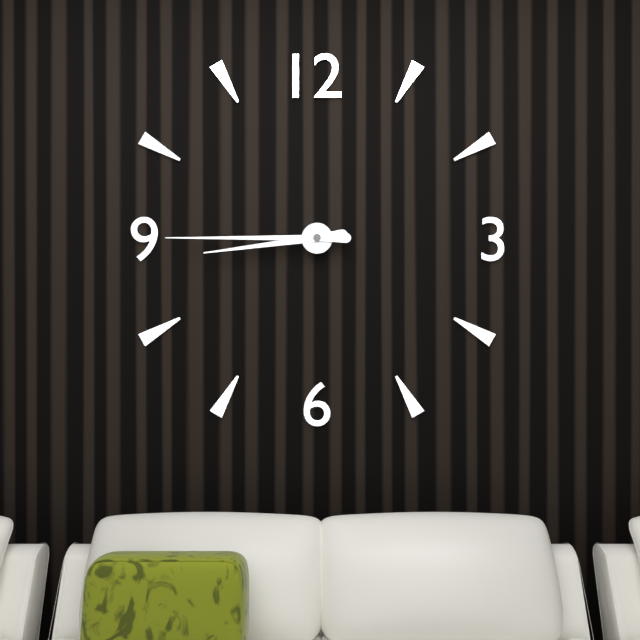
**8:45**
